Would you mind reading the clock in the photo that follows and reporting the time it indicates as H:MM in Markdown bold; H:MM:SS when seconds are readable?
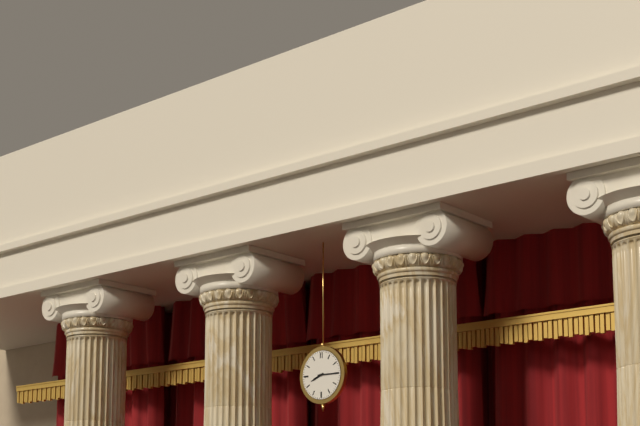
**8:15**
